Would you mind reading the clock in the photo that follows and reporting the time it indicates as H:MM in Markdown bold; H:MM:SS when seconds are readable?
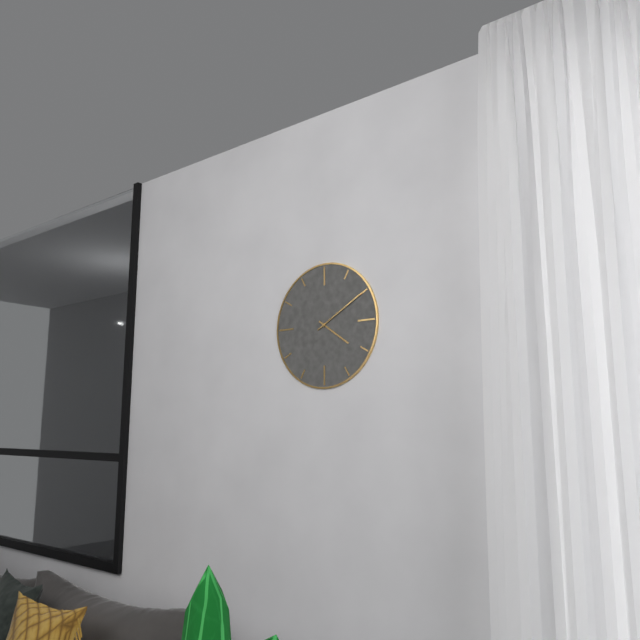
**4:10**
